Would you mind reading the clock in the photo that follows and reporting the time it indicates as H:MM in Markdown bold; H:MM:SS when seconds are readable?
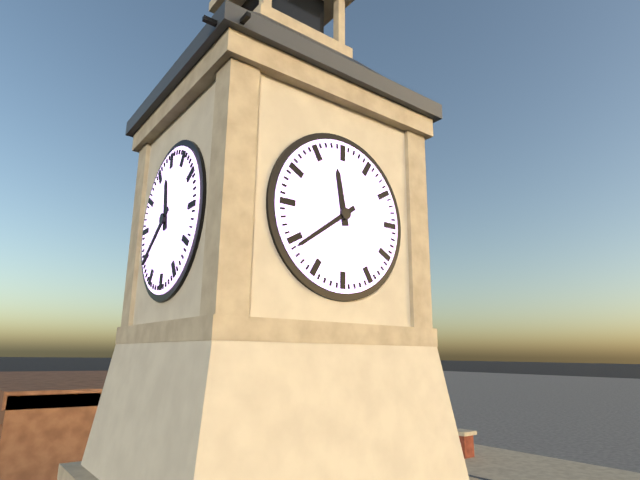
**11:39**
